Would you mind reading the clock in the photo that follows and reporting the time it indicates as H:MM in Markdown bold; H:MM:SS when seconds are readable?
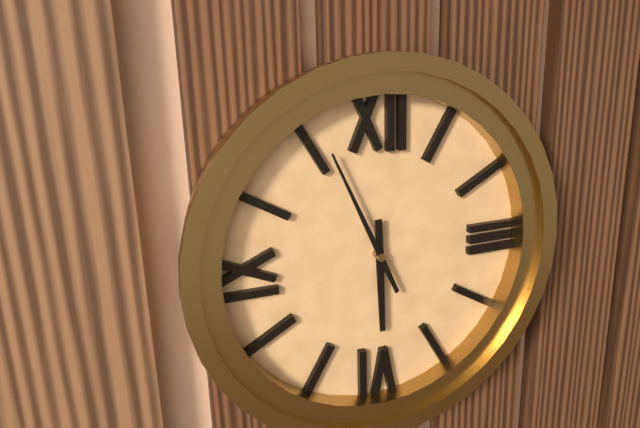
**5:56**
